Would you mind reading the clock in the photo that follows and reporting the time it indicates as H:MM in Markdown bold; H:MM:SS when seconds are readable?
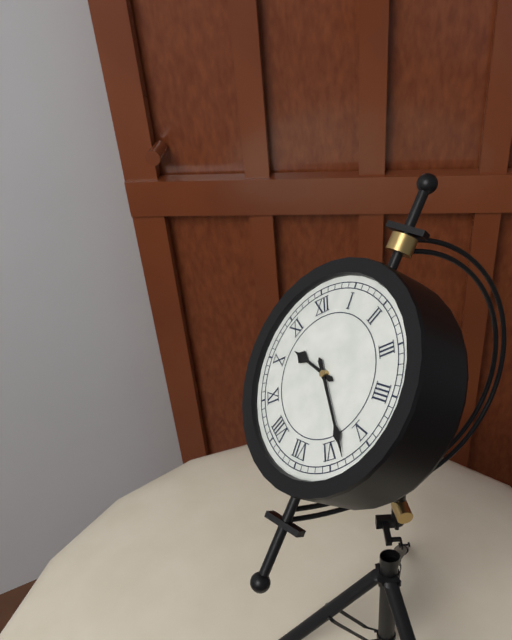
**10:28**
